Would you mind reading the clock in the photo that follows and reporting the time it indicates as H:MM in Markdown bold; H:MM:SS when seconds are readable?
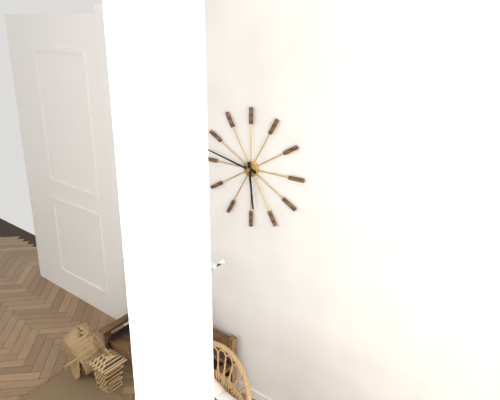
**5:47**
